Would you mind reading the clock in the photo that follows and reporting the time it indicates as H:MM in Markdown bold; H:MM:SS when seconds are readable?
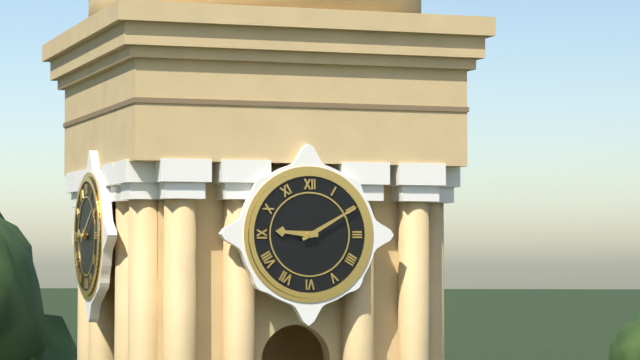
**9:10**
